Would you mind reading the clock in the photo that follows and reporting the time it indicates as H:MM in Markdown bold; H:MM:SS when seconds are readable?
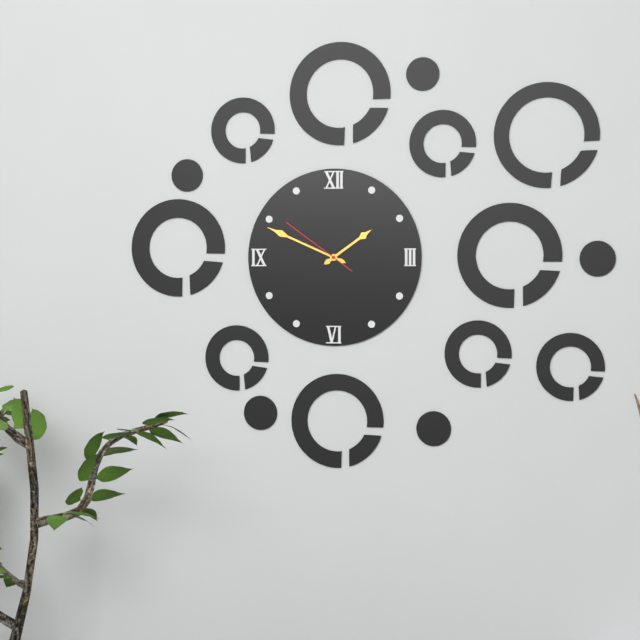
**1:49:51**
